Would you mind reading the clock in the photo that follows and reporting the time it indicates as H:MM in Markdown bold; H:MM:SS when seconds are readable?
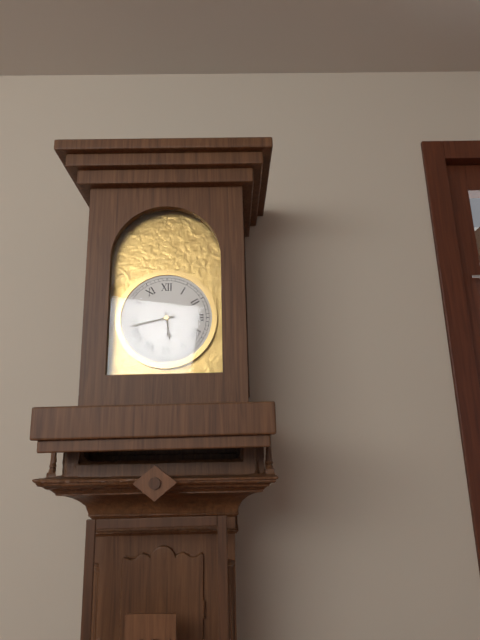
**5:43**
